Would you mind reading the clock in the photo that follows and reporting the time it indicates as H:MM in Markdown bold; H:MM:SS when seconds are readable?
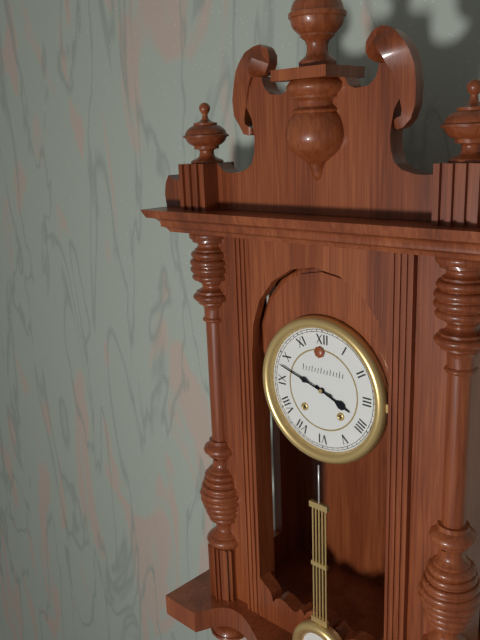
**3:48**
